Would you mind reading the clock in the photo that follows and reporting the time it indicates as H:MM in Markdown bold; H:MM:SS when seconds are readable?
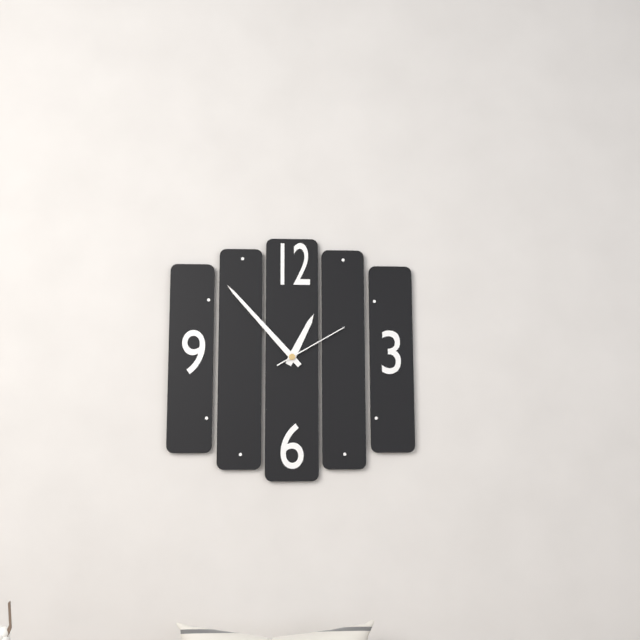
**12:53:10**
